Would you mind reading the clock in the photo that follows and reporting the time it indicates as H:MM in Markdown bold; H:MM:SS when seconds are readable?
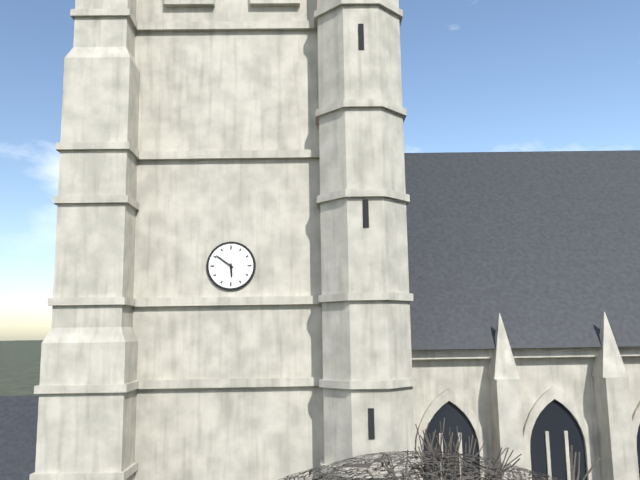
**5:51**
